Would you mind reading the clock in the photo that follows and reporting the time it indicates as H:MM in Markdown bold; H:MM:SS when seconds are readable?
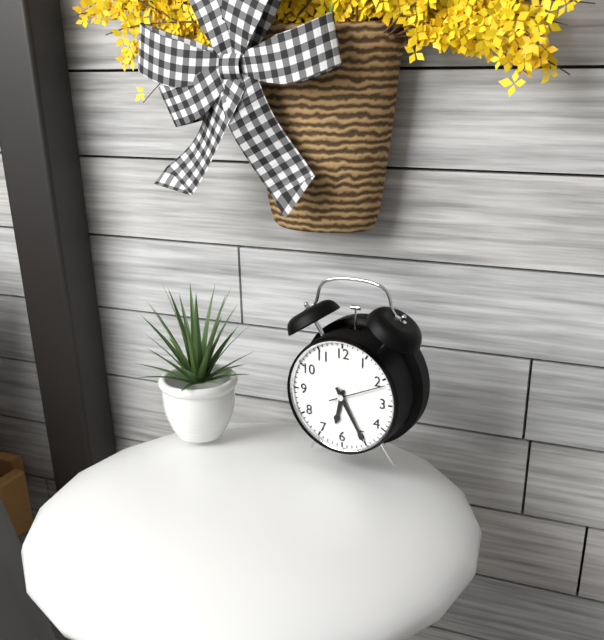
**6:25:11**
